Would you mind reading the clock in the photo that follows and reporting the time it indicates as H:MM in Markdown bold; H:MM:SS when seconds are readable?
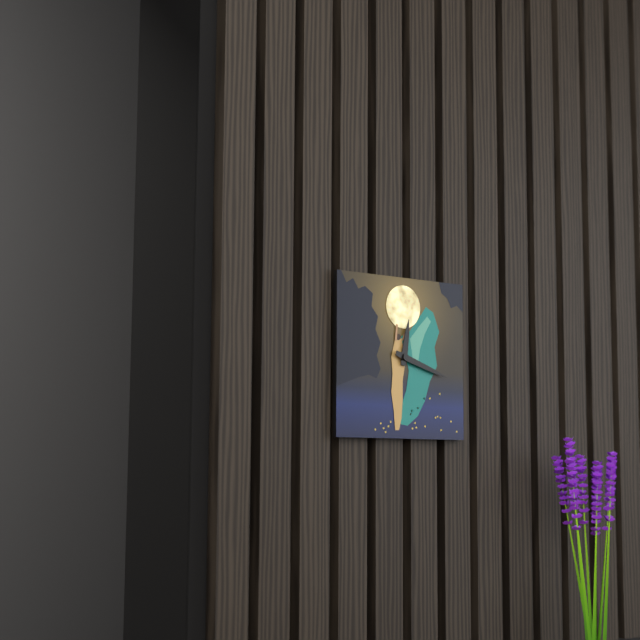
**12:18**
